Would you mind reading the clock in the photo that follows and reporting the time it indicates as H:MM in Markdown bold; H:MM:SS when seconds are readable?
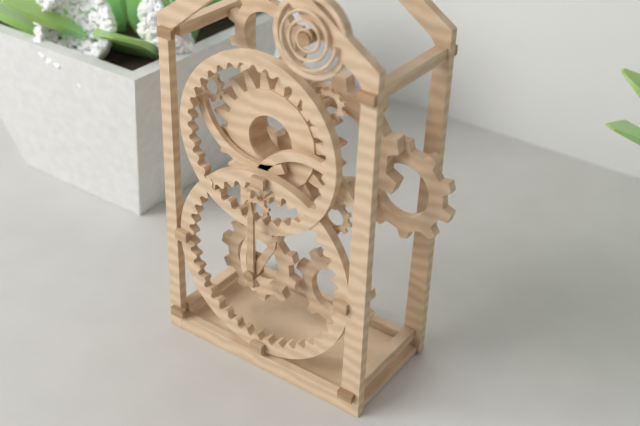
**1:00**
